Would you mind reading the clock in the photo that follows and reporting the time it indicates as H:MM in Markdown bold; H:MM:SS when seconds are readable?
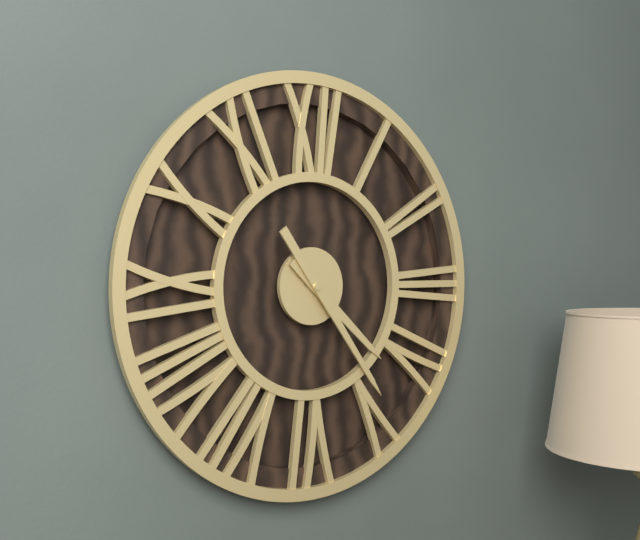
**4:24**
